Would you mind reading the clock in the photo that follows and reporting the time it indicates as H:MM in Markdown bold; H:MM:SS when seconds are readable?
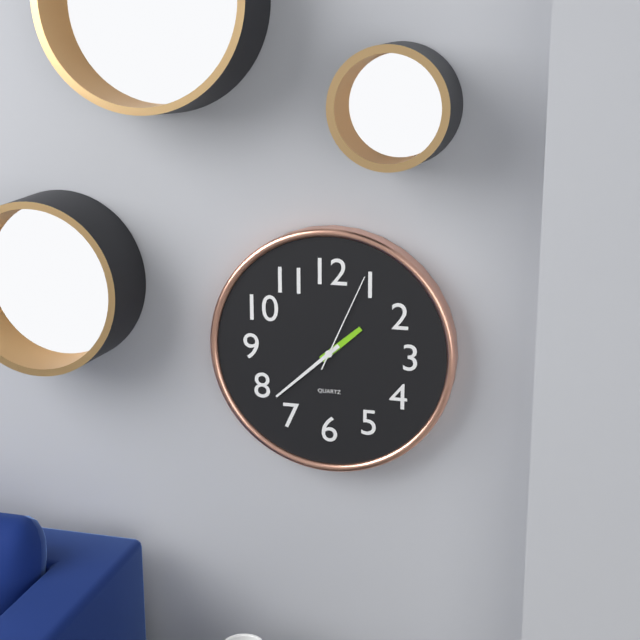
**1:38:04**
